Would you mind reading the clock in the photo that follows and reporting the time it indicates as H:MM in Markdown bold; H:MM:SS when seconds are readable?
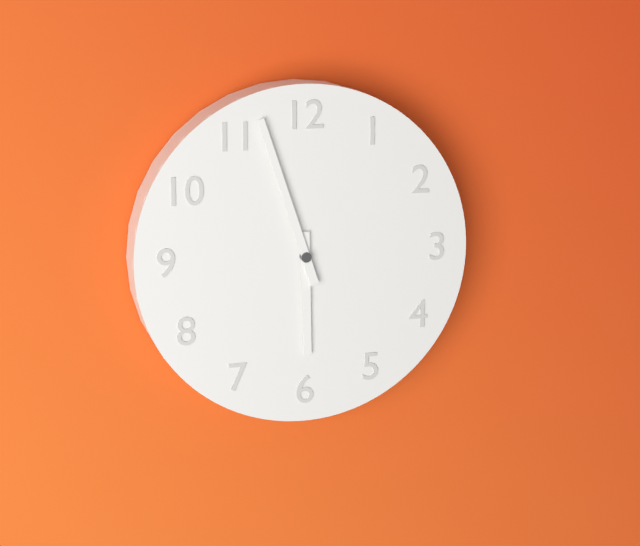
**5:57**
